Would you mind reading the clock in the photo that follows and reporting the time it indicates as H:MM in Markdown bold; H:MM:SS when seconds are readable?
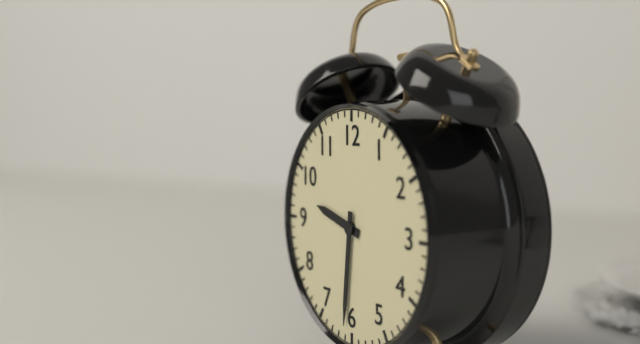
**9:31**
